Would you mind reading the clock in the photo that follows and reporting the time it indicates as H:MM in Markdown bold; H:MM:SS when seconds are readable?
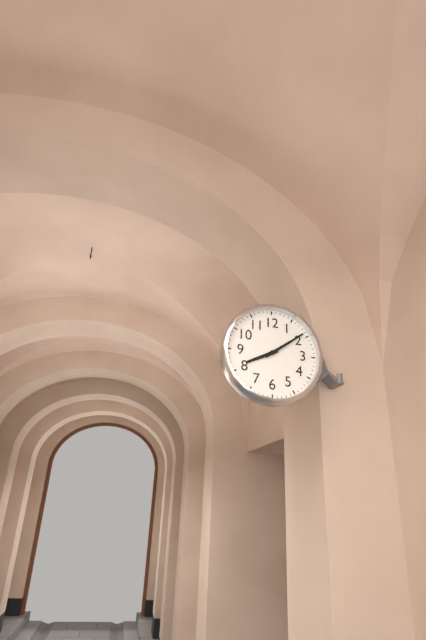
**8:09**
